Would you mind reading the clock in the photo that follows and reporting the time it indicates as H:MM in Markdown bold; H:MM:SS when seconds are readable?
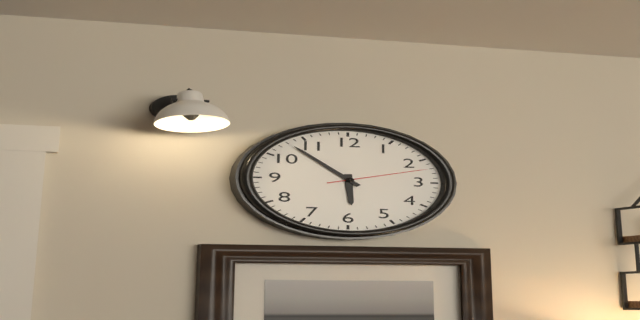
**5:53:12**
